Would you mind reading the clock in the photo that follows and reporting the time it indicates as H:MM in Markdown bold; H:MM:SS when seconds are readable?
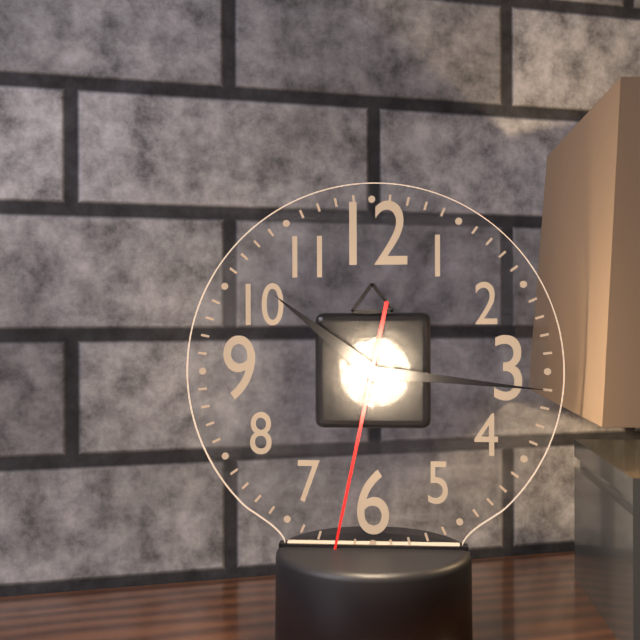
**10:16:32**
